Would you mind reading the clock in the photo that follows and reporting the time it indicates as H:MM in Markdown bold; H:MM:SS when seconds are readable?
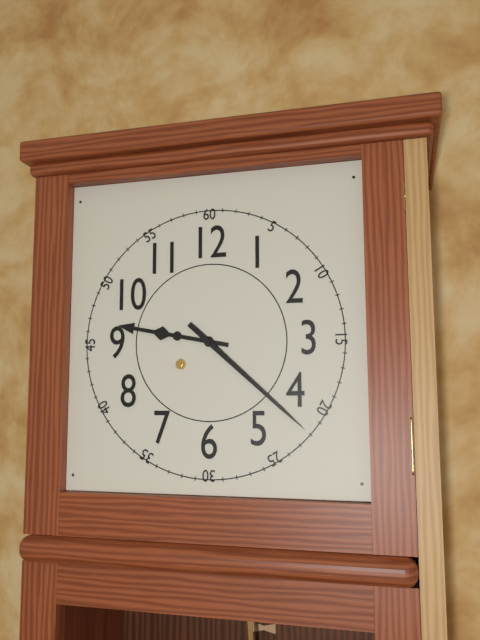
**9:22**
